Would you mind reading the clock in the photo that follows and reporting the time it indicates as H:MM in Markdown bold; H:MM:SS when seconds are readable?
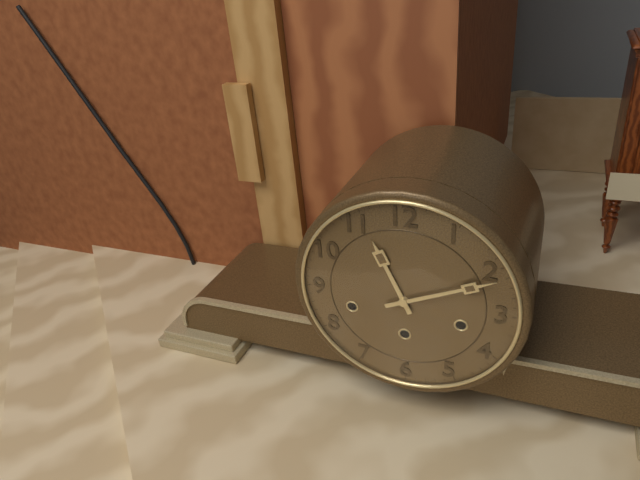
**11:11**
